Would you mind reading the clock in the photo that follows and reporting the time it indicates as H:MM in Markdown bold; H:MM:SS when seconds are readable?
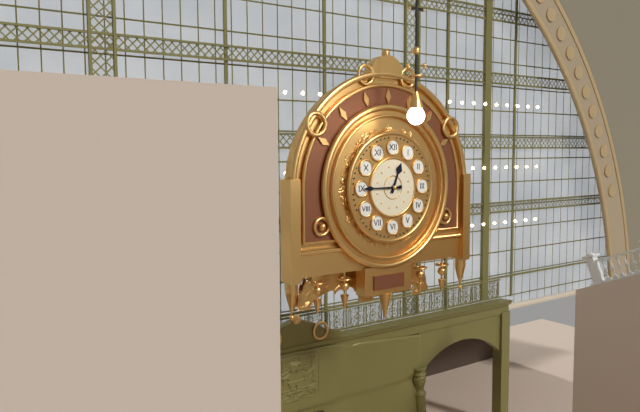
**12:45**
